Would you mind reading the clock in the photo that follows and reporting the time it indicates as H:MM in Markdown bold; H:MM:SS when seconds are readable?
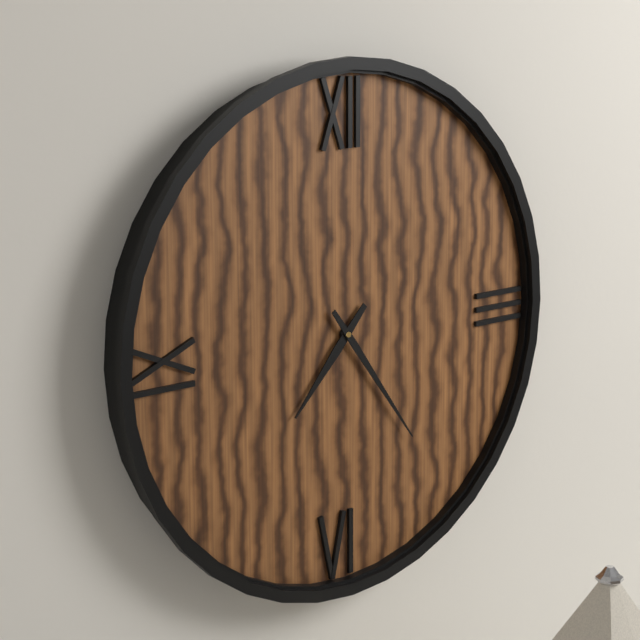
**7:24**
